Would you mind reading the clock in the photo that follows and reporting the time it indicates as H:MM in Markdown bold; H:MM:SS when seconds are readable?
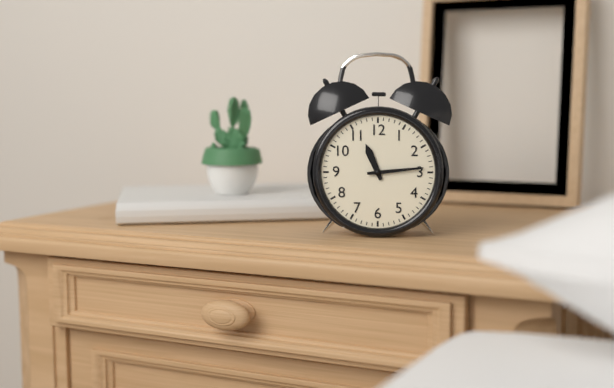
**11:14**
